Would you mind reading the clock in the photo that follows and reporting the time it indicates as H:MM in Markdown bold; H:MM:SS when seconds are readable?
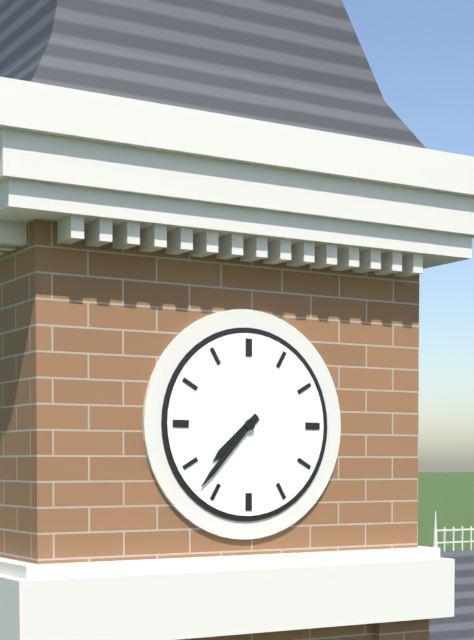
**7:37**
